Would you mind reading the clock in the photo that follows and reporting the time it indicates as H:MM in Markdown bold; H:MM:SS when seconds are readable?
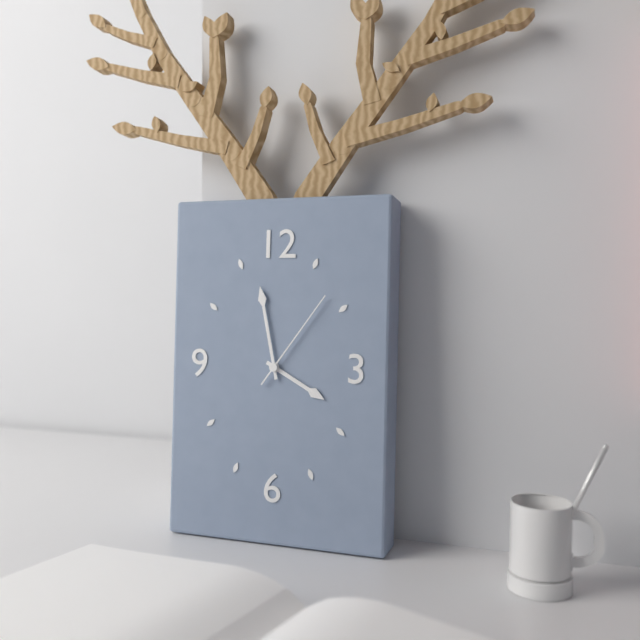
**3:58:06**
